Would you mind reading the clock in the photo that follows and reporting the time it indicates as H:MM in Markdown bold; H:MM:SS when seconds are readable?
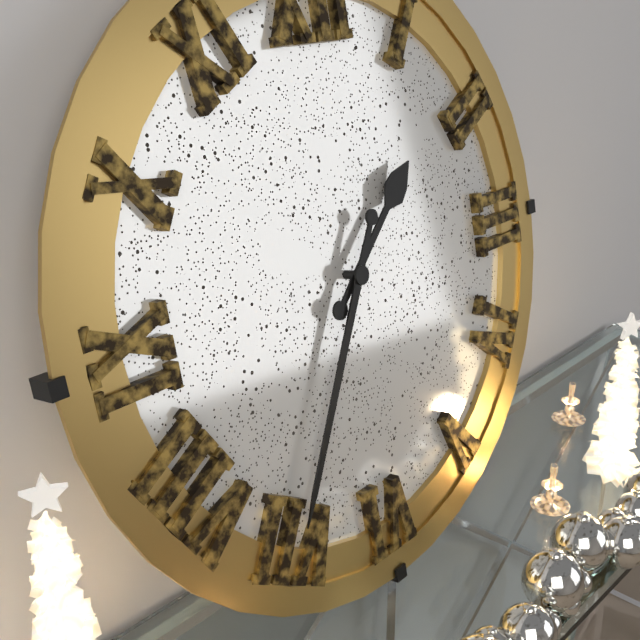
**1:35**
